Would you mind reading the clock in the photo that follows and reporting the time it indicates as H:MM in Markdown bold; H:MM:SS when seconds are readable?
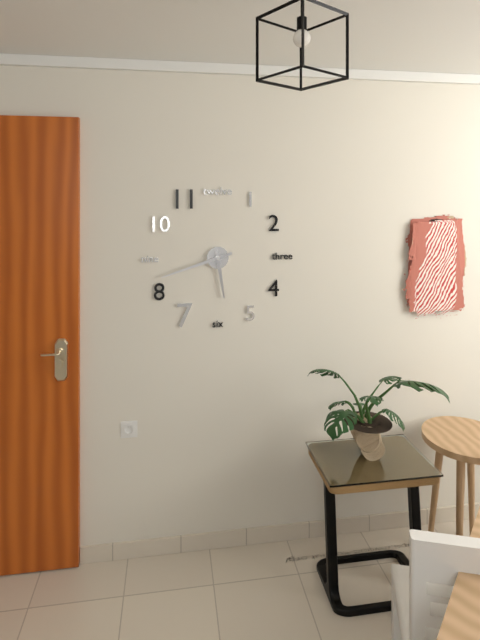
**5:42**
